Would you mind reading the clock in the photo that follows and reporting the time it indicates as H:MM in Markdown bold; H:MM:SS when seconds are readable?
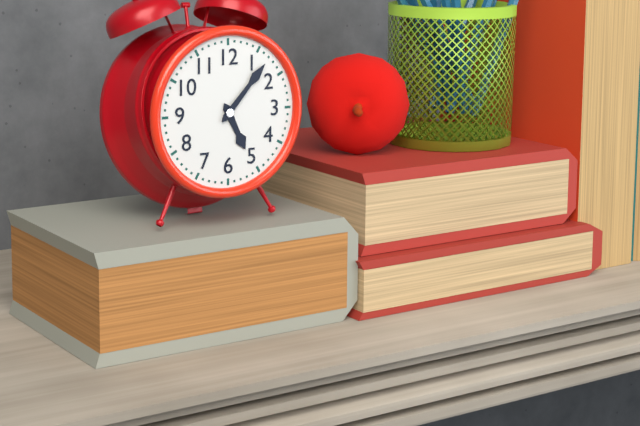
**5:07**
